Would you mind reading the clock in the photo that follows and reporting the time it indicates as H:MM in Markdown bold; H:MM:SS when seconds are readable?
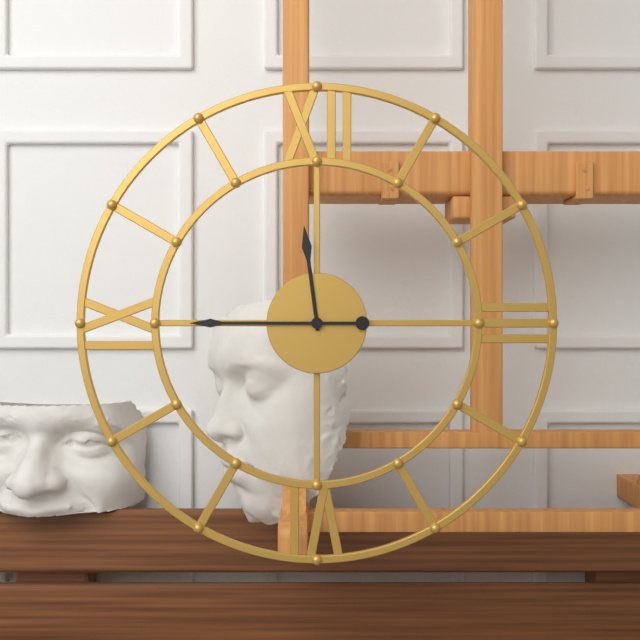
**11:45**
